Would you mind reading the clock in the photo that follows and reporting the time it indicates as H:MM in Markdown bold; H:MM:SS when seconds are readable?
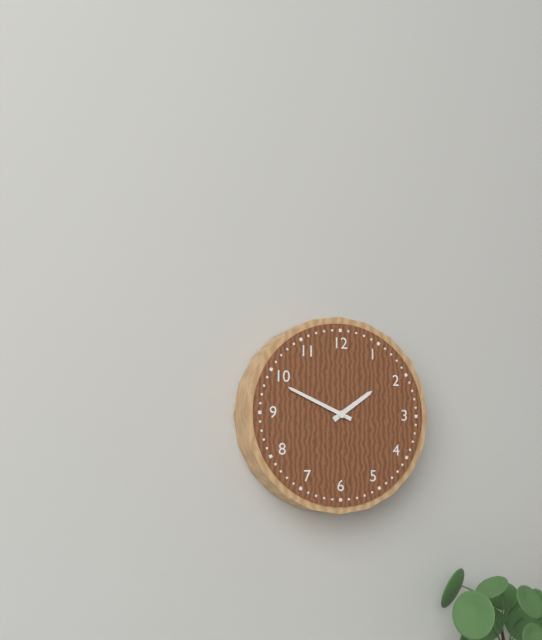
**1:49**
